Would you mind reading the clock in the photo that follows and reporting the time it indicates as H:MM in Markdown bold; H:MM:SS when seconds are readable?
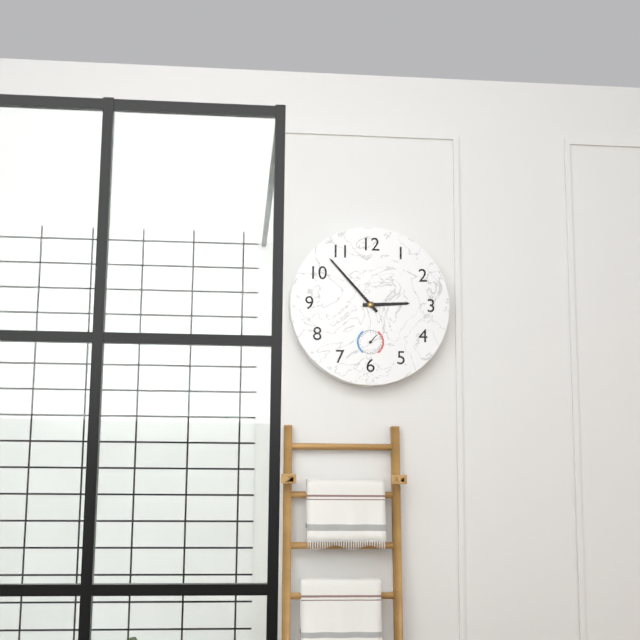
**2:53**
